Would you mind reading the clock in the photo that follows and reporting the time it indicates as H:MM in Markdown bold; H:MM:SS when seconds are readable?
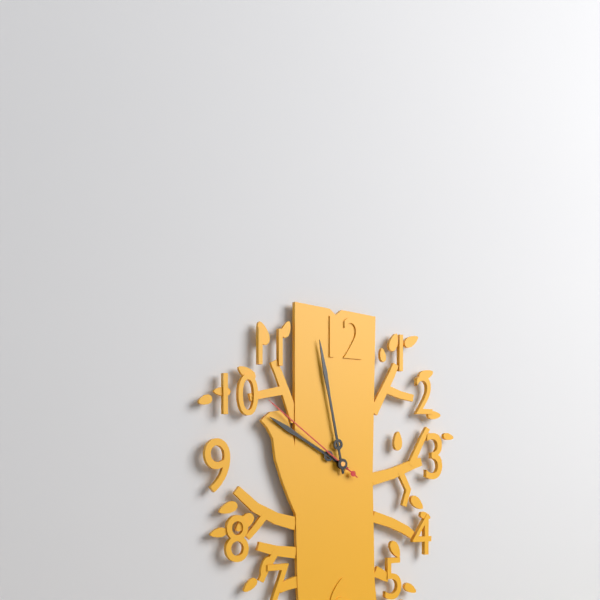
**9:58:51**
